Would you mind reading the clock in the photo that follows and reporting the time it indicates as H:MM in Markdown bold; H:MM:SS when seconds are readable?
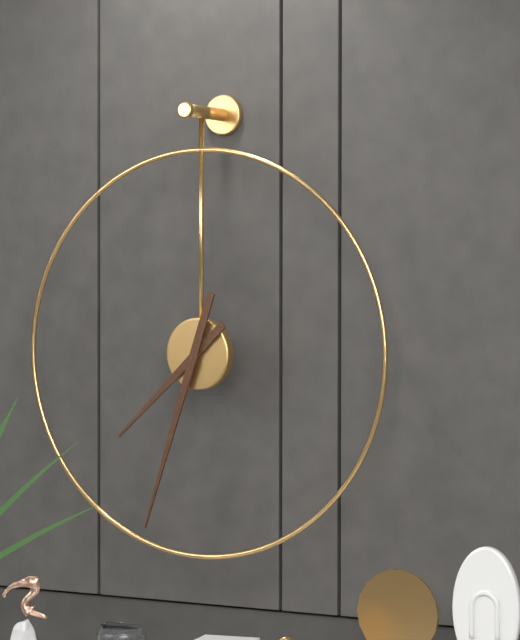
**7:33**
